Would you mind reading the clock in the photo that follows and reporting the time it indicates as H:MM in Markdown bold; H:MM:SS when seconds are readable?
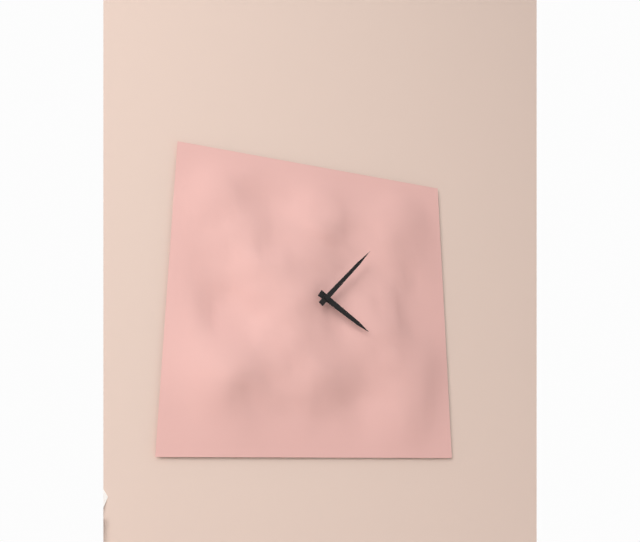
**4:07**
